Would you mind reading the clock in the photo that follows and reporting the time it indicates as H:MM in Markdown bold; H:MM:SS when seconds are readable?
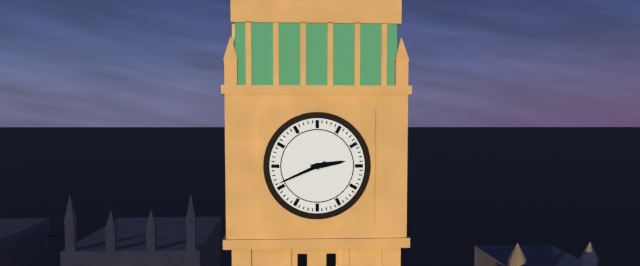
**2:41**
